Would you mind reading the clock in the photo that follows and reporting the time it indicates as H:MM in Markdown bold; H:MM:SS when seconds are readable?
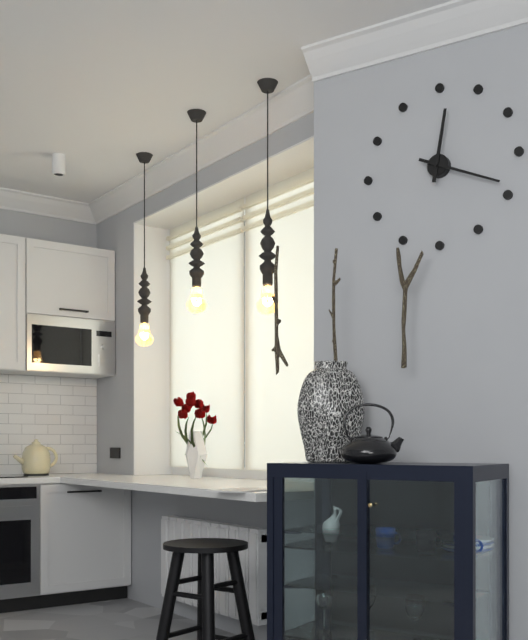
**12:19**
